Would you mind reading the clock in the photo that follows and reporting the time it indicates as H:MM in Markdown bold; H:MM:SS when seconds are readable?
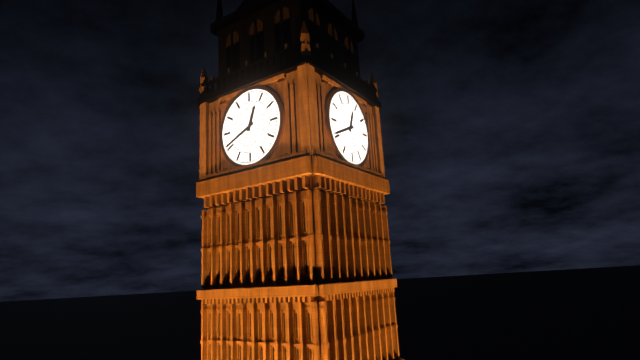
**12:41**
